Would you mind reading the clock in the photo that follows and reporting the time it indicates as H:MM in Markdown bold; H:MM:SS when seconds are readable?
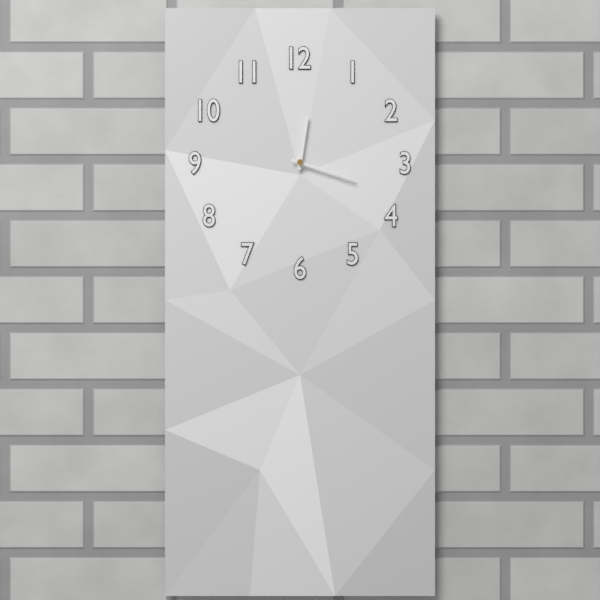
**12:18**
